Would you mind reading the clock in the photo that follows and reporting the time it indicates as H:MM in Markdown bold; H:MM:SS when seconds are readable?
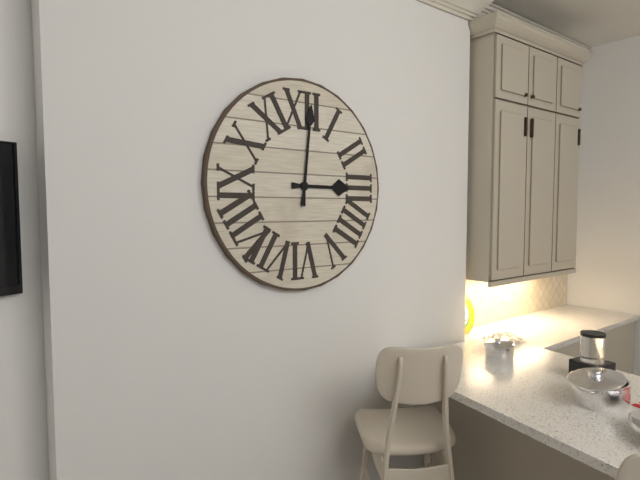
**3:01**
